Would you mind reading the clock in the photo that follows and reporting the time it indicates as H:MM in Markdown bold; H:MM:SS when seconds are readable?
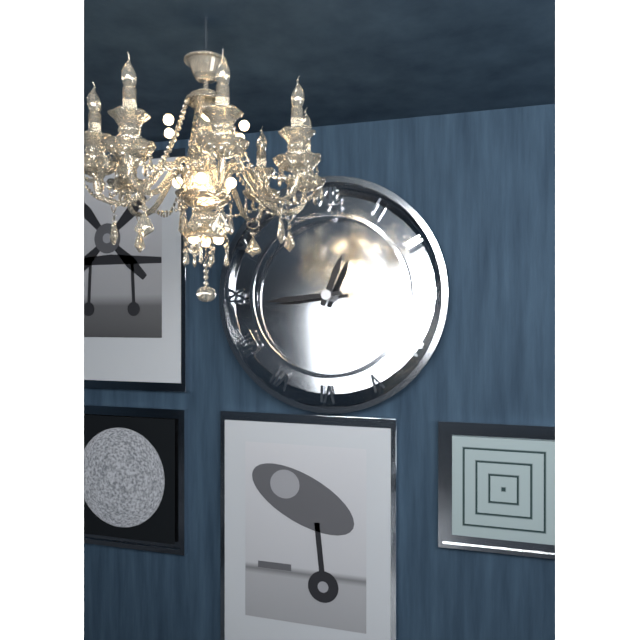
**12:44**
